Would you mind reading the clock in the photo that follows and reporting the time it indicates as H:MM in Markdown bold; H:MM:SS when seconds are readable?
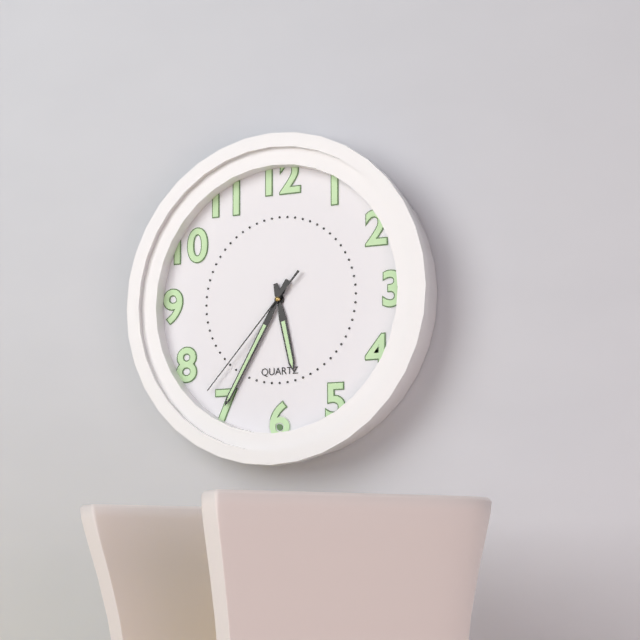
**5:35:37**
